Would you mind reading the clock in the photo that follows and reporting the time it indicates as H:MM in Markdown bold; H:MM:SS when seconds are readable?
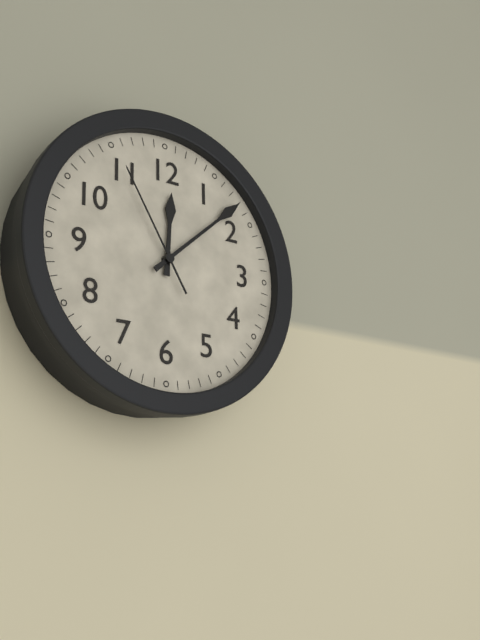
**12:08:55**
